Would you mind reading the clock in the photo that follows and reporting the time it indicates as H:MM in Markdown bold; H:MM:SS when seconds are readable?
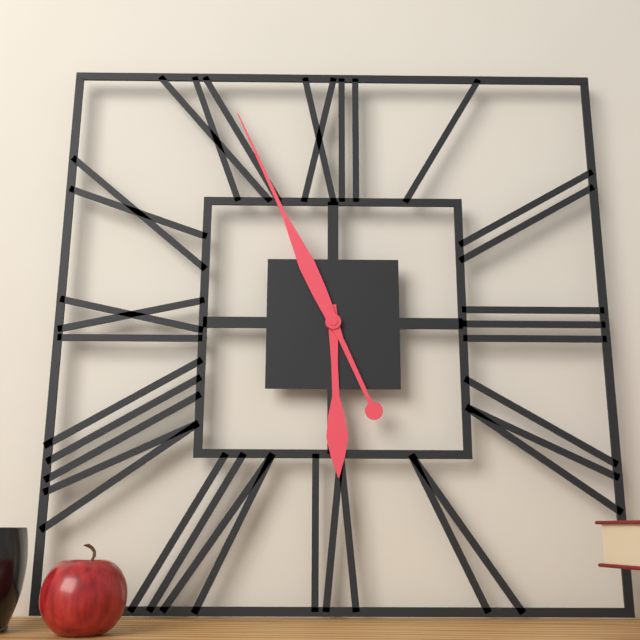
**5:56**
